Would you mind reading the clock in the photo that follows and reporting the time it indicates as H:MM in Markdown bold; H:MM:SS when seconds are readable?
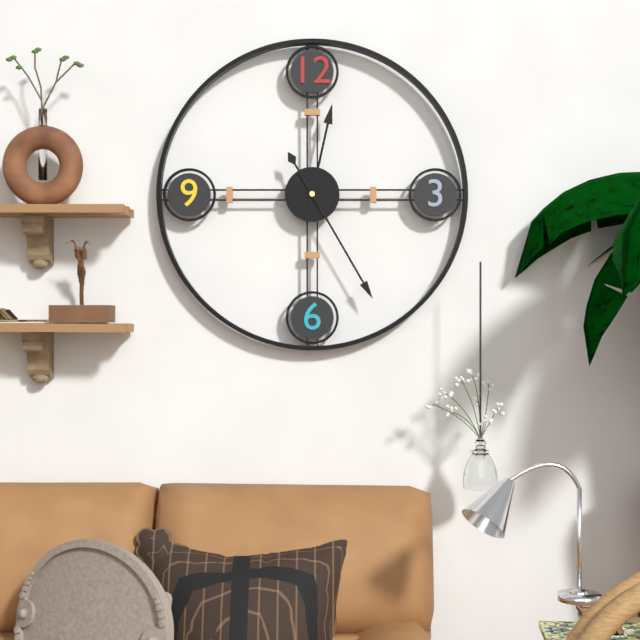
**12:25**
